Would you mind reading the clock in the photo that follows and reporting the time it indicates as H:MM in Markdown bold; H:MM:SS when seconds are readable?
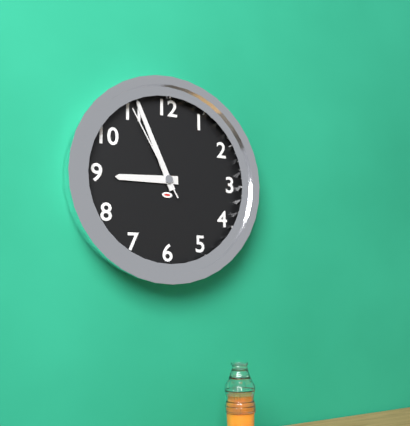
**8:56:55**
